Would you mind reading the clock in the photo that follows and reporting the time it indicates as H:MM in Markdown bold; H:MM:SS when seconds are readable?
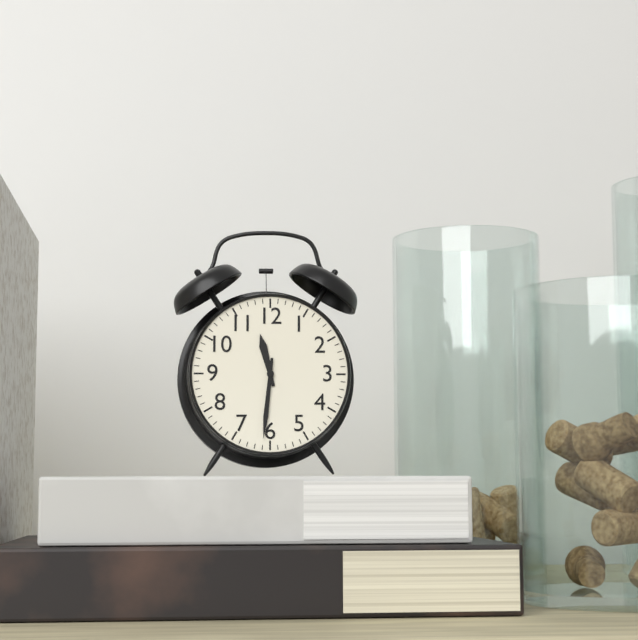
**11:31**
